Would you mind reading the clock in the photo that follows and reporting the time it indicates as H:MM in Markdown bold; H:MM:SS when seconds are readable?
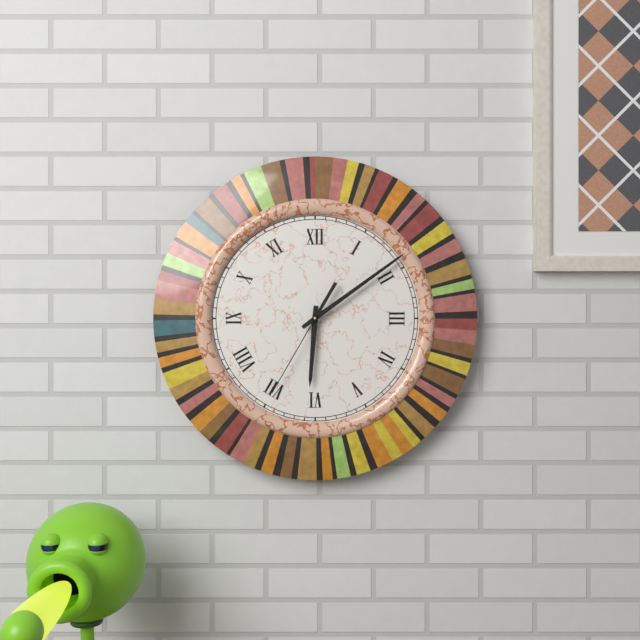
**6:09:35**
